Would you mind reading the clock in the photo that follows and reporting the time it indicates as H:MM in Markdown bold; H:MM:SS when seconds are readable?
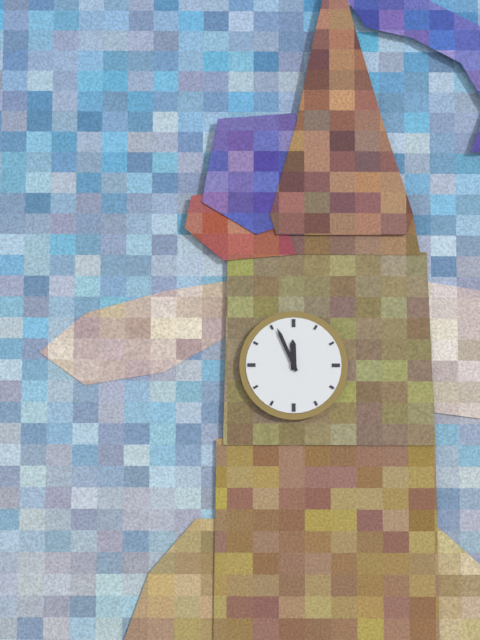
**11:56**
